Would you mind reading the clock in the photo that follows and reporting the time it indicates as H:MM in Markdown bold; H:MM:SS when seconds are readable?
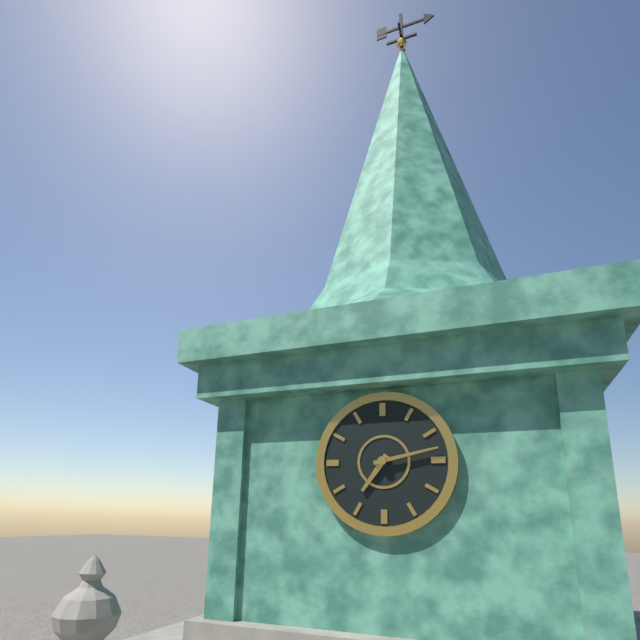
**7:13**
